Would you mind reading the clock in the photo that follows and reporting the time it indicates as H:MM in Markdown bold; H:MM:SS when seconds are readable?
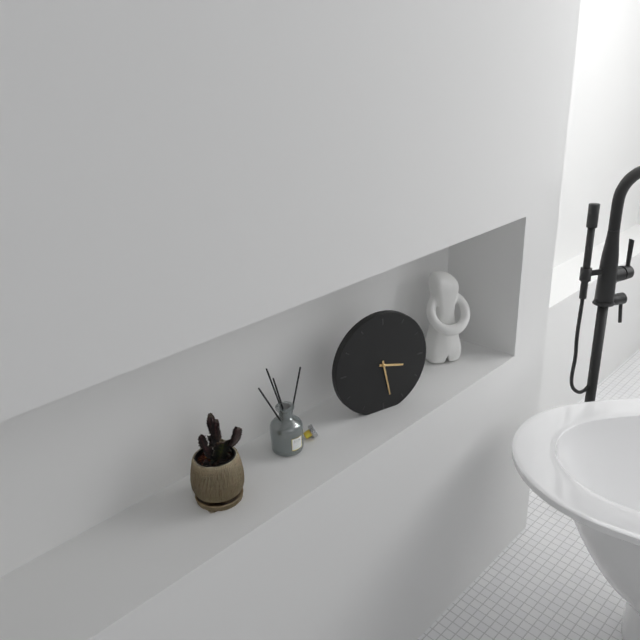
**3:28**
